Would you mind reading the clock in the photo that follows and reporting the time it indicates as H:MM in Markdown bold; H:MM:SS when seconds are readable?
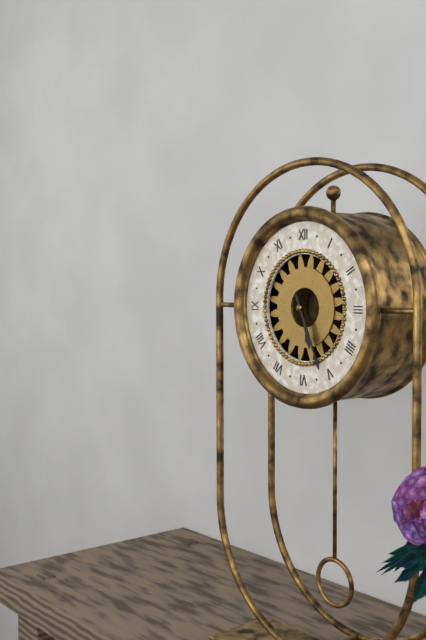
**5:26**
